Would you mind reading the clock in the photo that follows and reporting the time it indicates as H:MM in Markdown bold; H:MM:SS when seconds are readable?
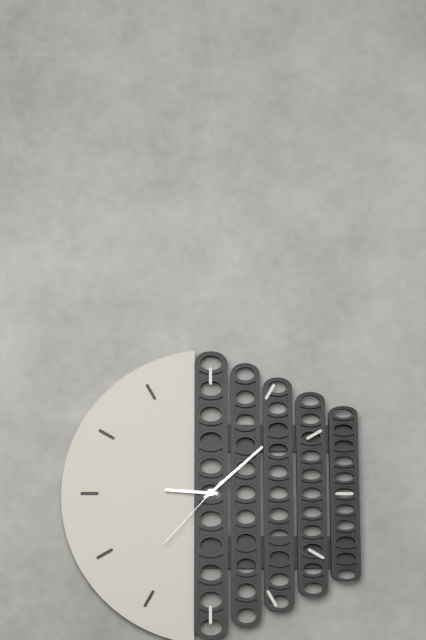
**9:08:37**
